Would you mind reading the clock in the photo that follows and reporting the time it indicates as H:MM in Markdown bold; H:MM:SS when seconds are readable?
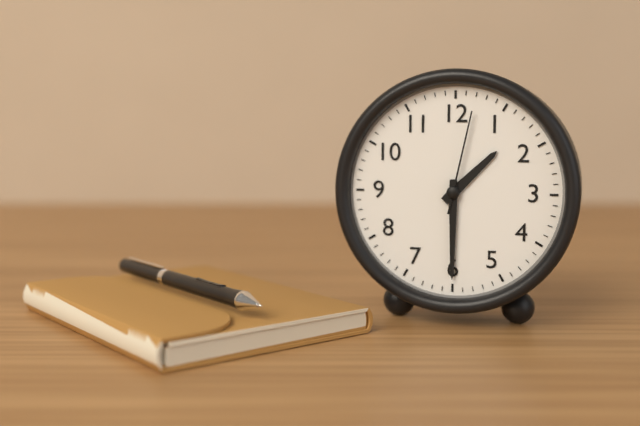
**1:30:02**
